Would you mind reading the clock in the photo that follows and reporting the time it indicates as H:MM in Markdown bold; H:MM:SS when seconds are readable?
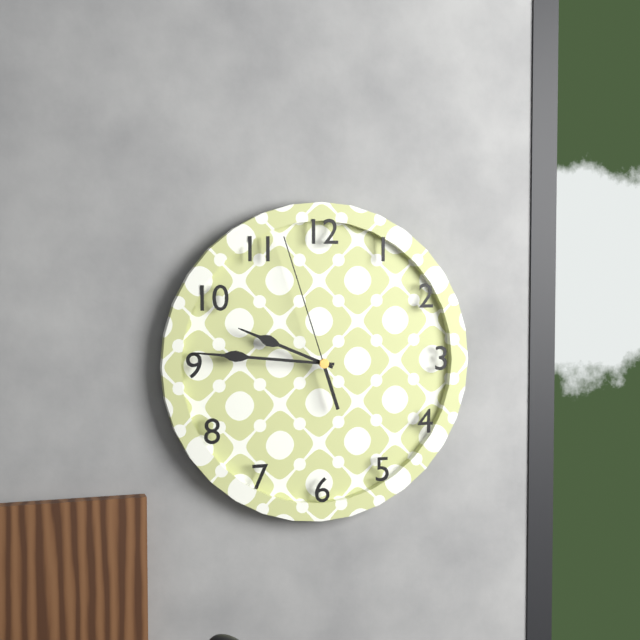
**9:46:57**
